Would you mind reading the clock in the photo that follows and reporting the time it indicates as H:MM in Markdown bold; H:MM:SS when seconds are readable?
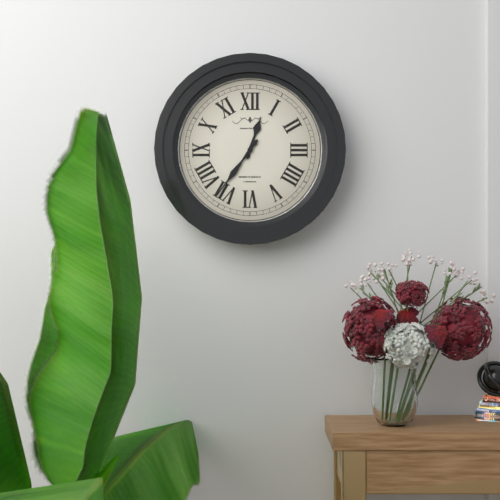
**12:36**
